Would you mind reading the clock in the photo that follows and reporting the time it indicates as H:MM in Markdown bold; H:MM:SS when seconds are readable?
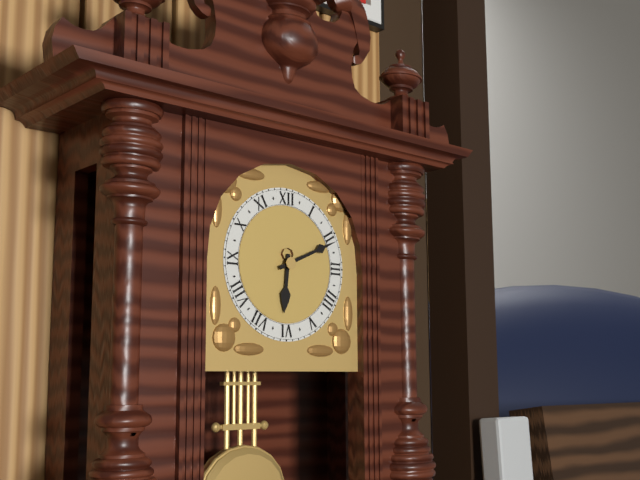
**6:11**
